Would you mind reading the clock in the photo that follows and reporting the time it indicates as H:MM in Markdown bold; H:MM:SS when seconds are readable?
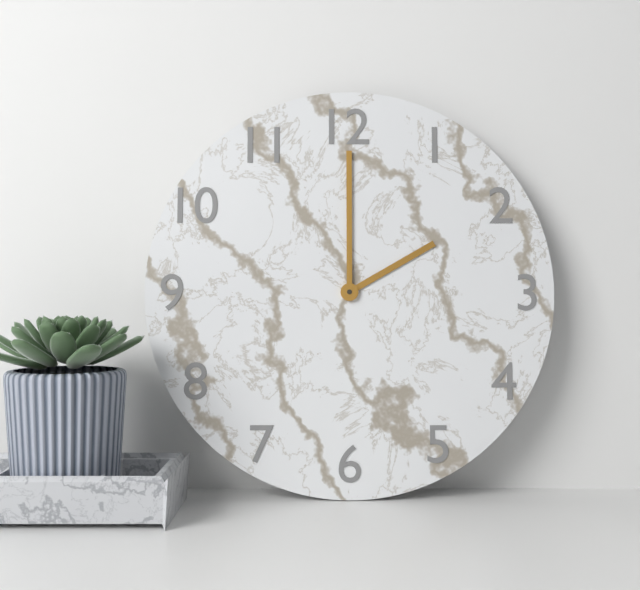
**2:00**
